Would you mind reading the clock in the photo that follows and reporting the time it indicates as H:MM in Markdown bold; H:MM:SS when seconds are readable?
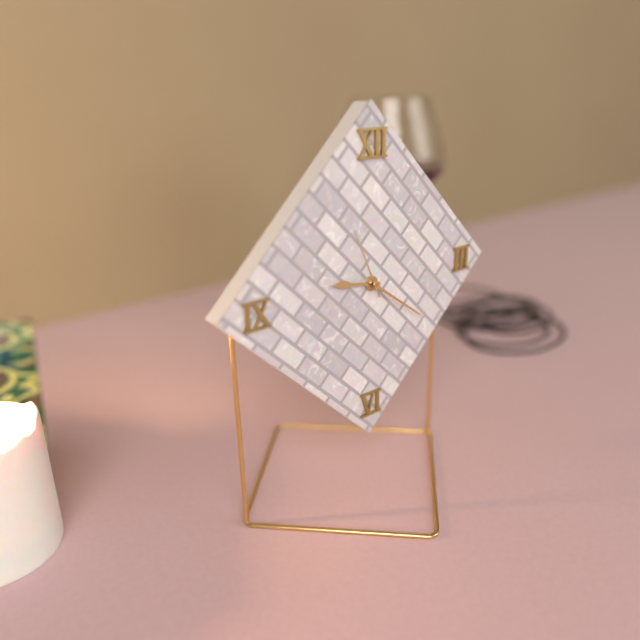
**9:21:56**
